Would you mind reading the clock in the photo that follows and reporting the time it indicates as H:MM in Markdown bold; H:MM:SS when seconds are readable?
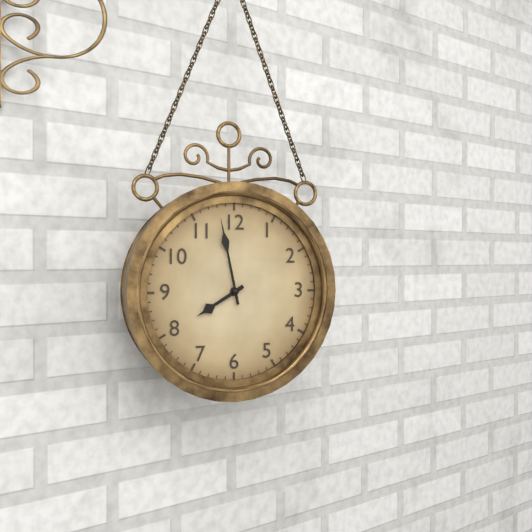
**7:58**
